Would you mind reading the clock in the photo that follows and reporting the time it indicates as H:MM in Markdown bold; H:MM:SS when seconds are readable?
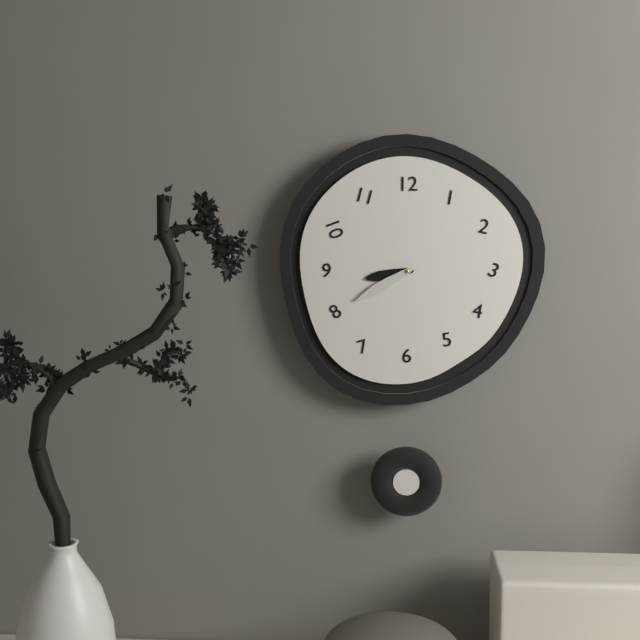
**8:40**
